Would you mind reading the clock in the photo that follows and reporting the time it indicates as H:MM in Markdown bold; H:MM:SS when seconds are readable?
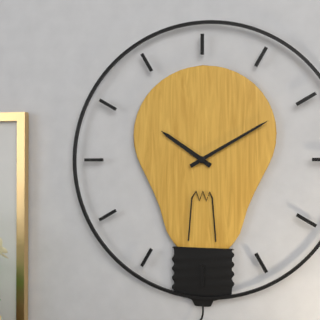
**10:10**
